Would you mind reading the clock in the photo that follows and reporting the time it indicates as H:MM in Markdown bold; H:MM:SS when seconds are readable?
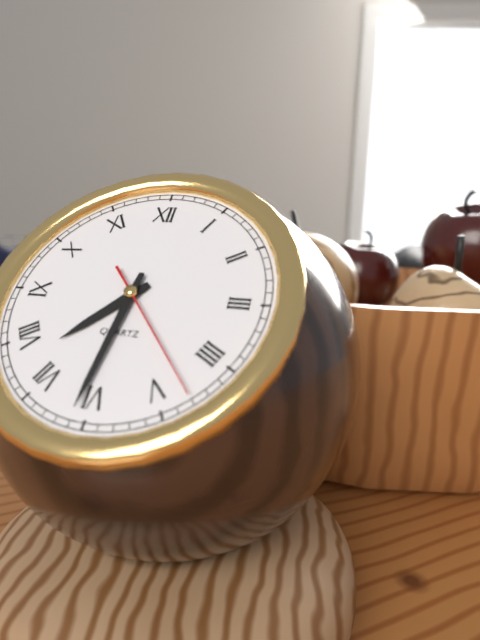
**7:31**
